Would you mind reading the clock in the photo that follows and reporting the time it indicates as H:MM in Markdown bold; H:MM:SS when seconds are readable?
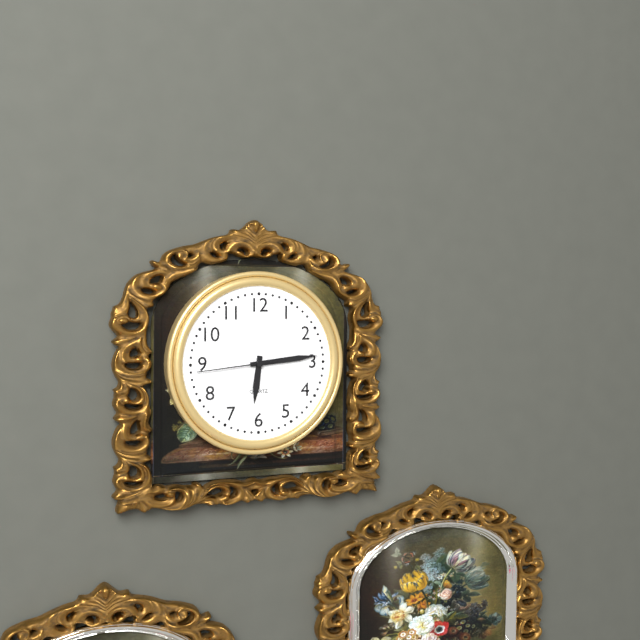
**6:14:44**
